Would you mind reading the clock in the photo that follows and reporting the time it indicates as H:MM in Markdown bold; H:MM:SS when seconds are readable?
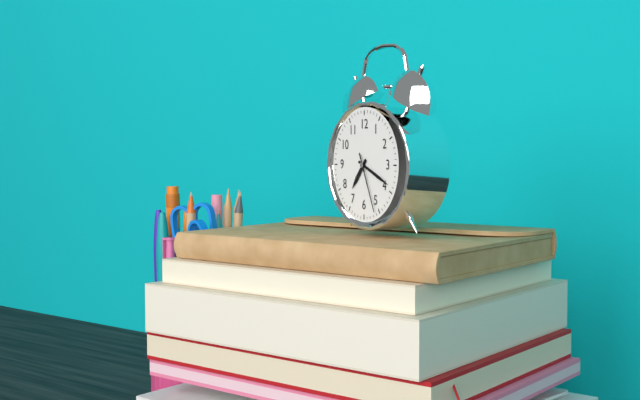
**7:19:26**
